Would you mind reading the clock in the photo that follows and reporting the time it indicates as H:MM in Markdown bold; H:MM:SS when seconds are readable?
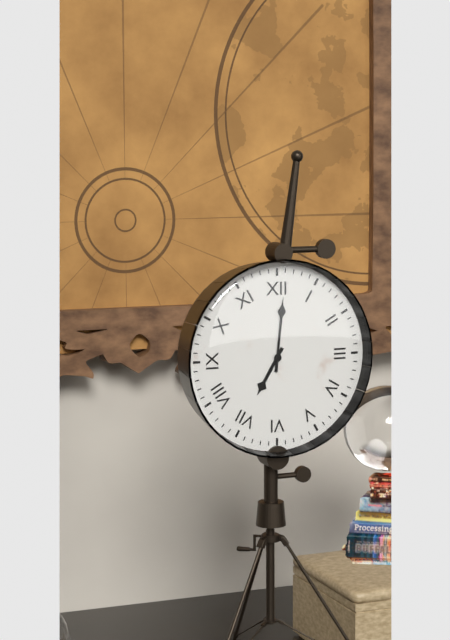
**7:01**
